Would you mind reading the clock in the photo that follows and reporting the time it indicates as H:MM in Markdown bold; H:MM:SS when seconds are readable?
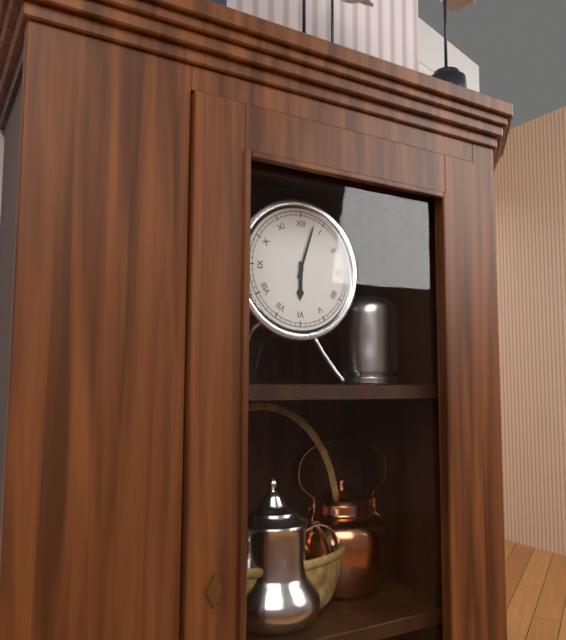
**6:03**
